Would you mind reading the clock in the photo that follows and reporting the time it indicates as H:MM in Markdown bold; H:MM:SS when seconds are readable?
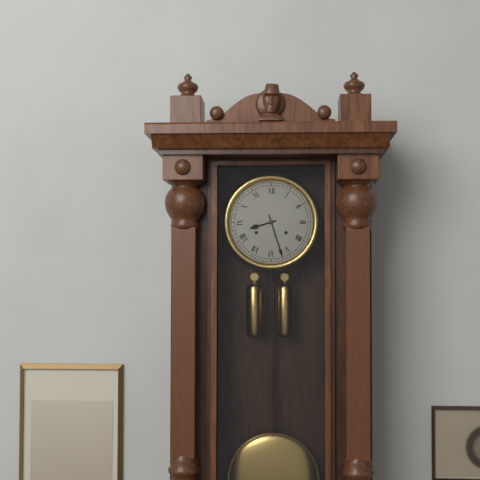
**8:27**
